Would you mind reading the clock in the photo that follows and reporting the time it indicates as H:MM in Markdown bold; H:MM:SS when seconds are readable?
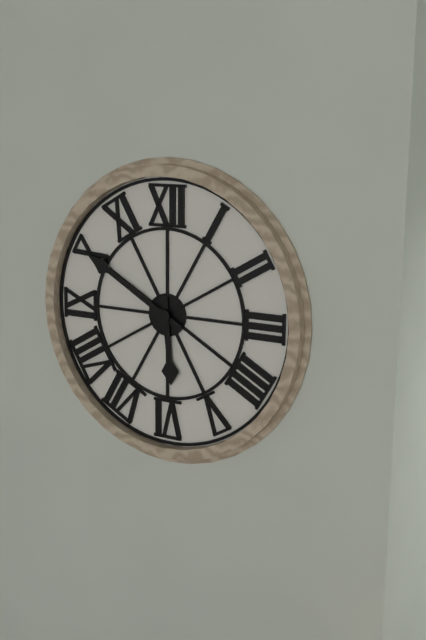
**5:50**
